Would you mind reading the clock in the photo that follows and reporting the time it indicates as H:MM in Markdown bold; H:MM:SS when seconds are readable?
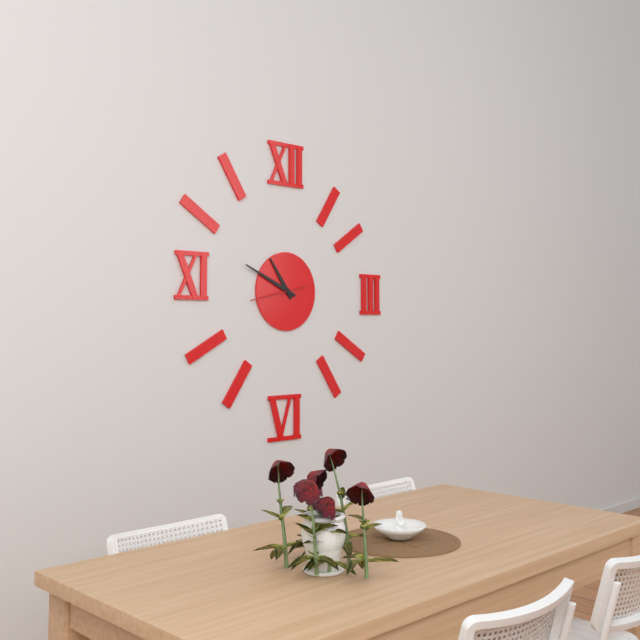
**10:49**
